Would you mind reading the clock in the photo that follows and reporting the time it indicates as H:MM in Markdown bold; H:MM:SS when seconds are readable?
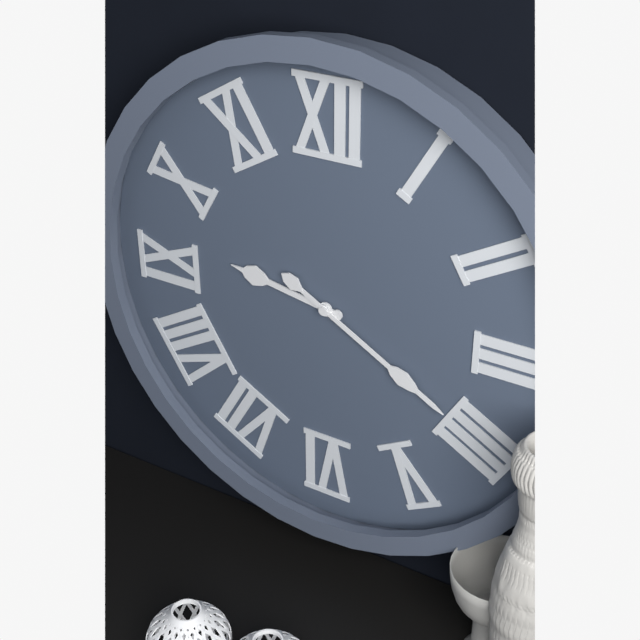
**9:20**
